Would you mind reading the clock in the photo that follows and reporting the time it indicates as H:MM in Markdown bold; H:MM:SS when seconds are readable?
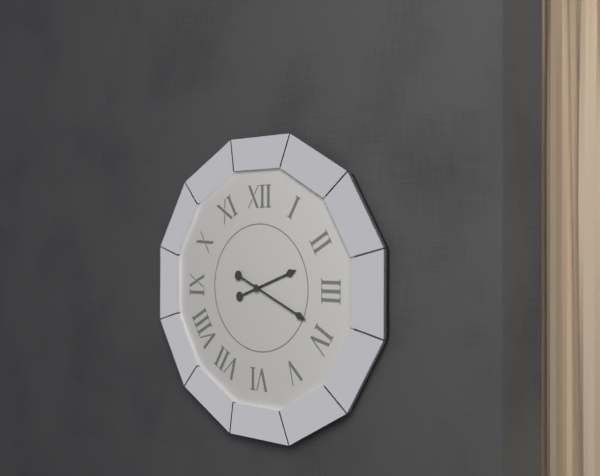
**2:19**
